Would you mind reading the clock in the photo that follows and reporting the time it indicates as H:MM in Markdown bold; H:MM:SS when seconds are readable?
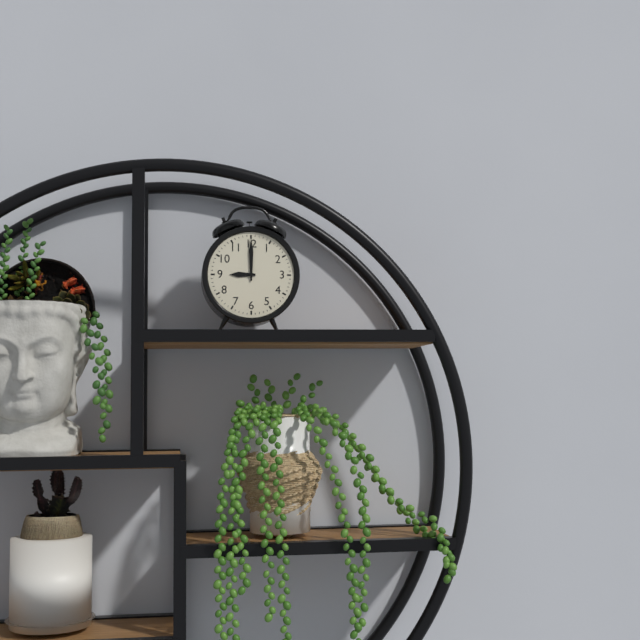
**9:00**
